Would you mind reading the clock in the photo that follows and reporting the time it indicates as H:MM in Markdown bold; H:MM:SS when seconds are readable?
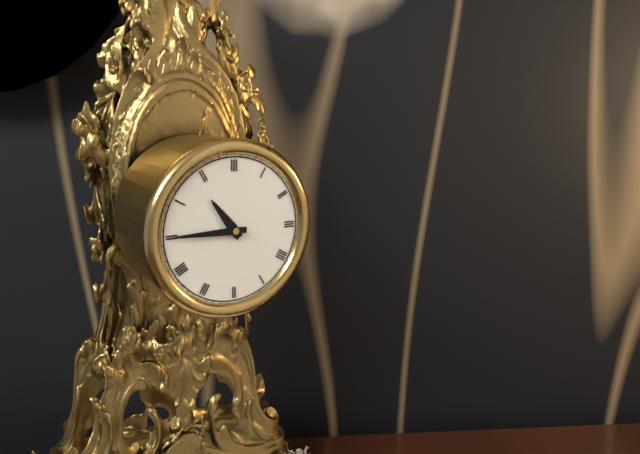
**10:45**
